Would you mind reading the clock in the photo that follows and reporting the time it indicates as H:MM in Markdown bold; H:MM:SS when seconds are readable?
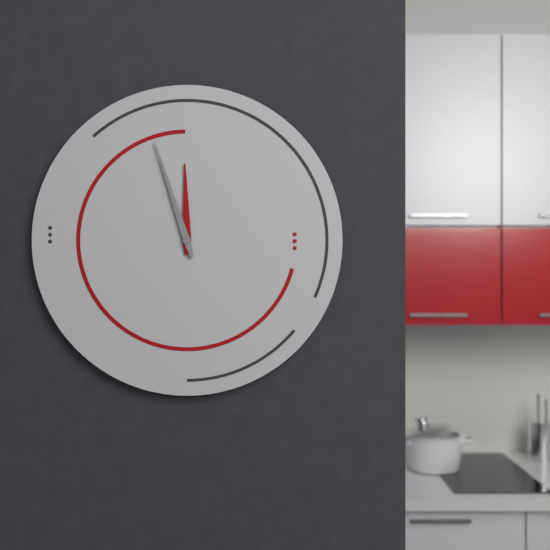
**11:57**
